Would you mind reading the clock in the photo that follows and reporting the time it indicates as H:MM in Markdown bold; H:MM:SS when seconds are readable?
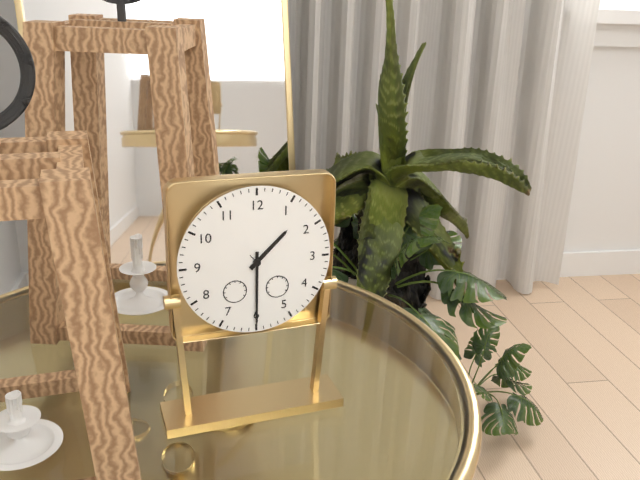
**1:30**
